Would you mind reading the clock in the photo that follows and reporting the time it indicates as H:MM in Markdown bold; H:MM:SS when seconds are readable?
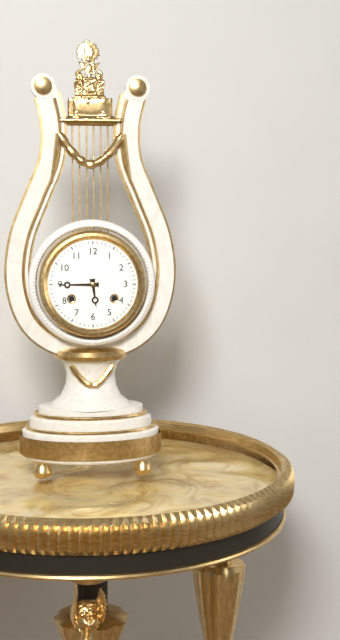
**5:45**
